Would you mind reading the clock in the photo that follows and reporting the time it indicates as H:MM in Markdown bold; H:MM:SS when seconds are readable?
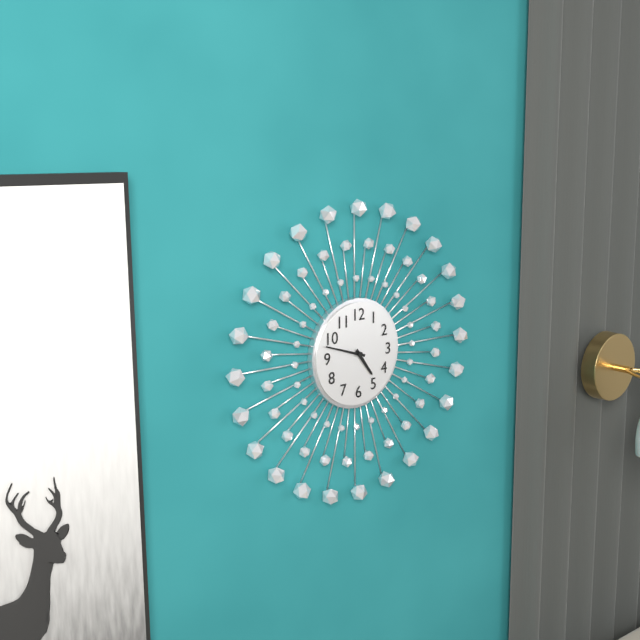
**4:48**
